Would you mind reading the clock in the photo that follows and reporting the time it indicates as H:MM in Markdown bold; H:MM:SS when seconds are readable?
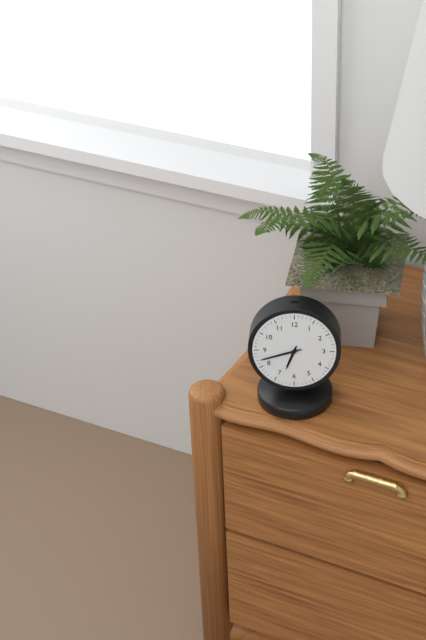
**6:42**
